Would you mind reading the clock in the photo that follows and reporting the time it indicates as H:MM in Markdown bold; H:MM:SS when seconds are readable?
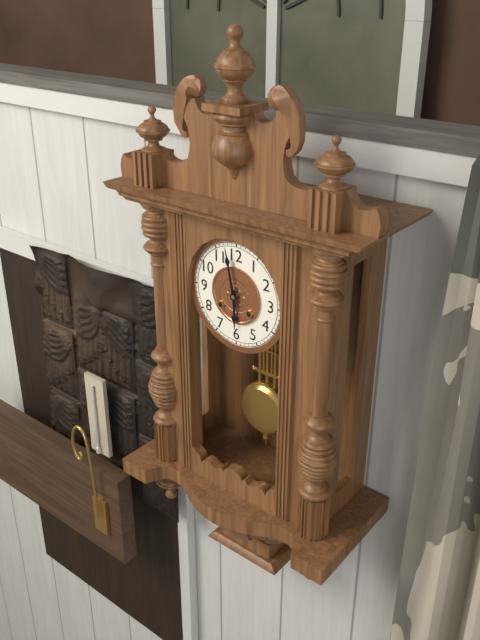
**5:58**
